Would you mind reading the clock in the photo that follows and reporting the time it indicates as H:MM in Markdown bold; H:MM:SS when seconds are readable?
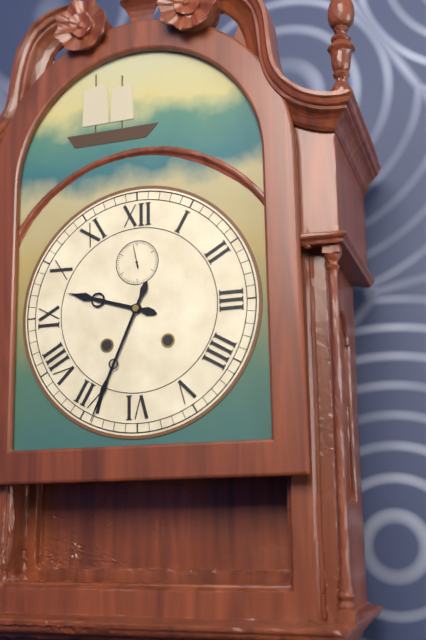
**9:34**
